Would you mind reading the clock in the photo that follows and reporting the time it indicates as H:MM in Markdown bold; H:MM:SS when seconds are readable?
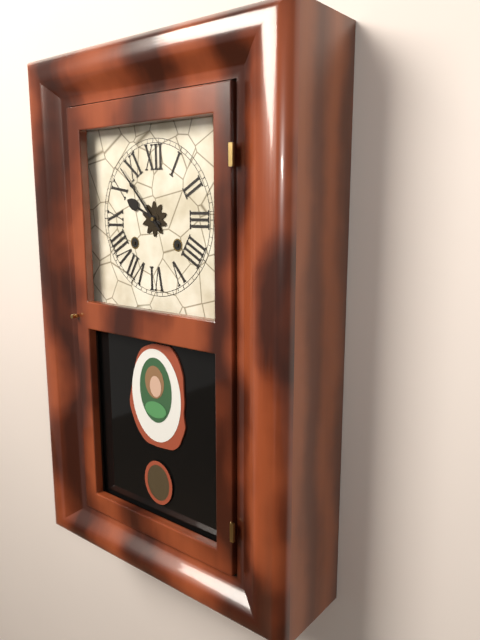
**9:53**
